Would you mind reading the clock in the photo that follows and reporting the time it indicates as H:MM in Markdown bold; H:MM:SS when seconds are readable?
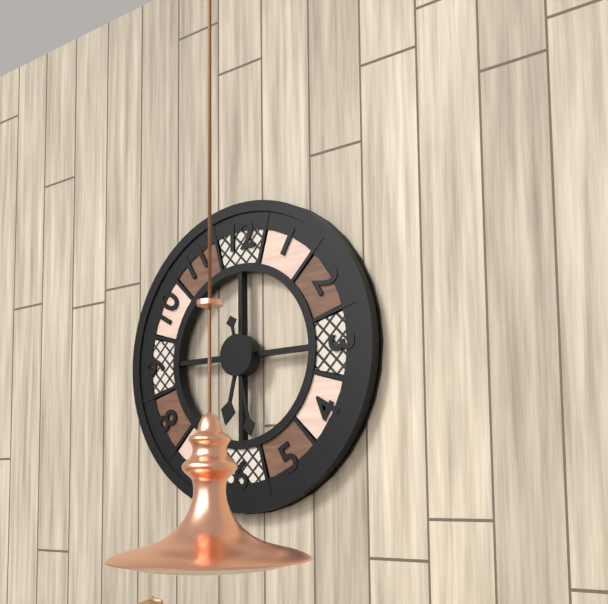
**6:28**
